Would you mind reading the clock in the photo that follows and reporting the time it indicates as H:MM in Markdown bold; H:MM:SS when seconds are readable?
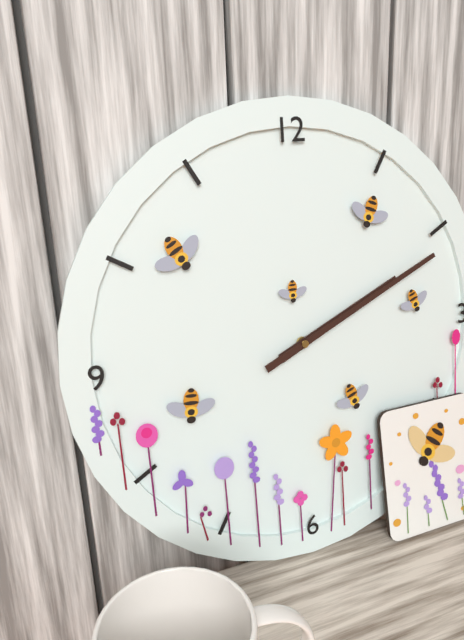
**2:11**
